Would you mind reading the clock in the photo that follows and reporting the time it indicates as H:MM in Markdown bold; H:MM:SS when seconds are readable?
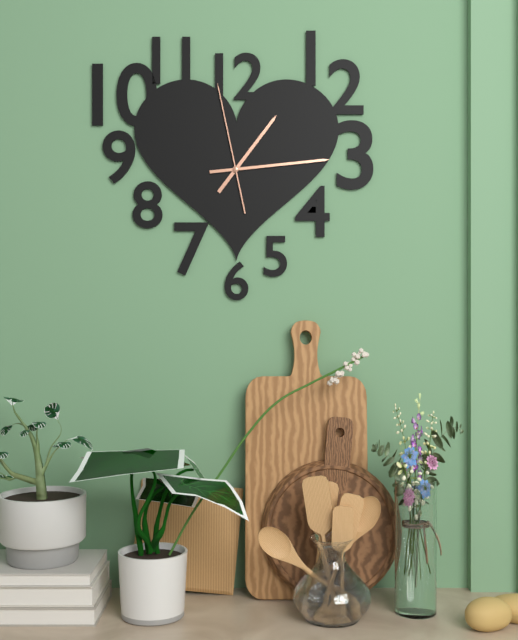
**1:14:58**
